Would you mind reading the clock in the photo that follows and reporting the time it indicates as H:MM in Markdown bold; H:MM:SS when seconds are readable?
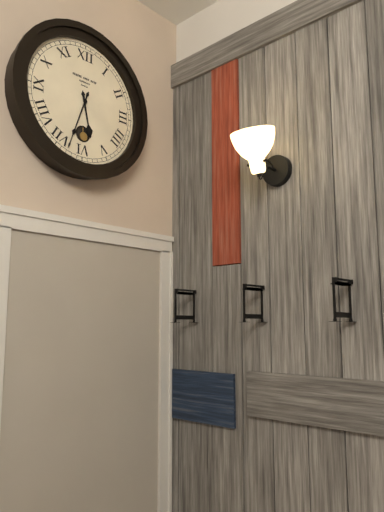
**5:33**
